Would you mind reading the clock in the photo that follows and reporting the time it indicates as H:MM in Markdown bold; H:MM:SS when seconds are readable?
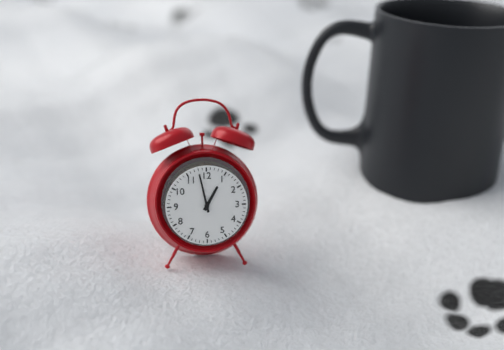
**12:58**
